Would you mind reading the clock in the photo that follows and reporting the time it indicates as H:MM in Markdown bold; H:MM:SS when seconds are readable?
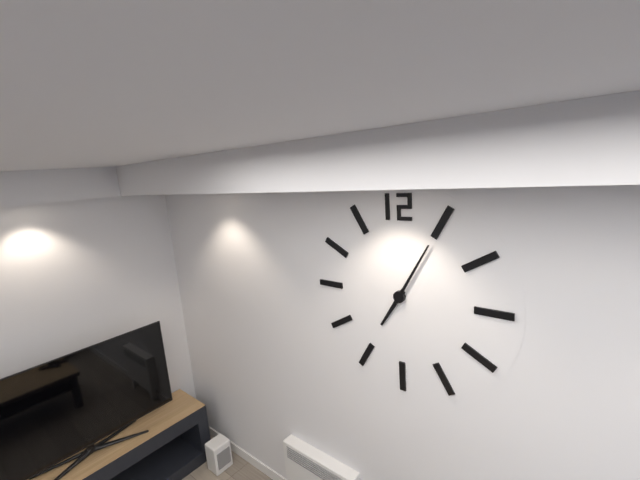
**7:05**
